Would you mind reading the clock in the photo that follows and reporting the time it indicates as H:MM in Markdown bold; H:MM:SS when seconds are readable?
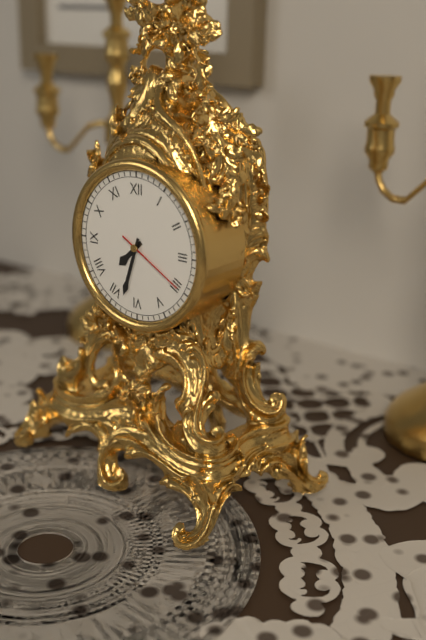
**7:33:20**
